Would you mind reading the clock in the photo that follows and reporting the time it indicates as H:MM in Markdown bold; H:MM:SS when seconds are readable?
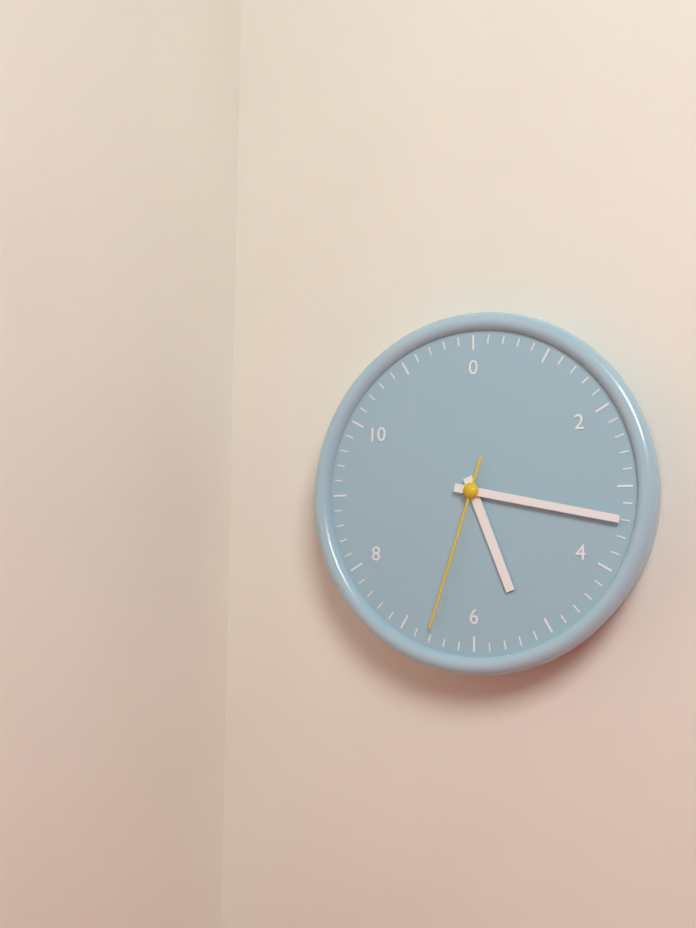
**5:17:33**
